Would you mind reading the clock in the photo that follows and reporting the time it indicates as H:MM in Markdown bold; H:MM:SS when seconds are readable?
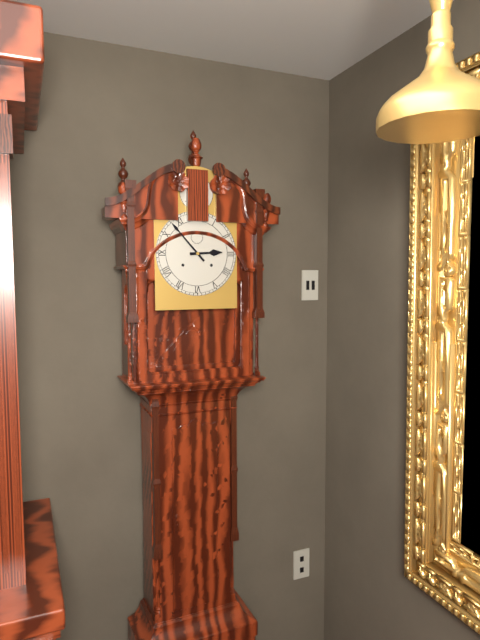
**2:53**
